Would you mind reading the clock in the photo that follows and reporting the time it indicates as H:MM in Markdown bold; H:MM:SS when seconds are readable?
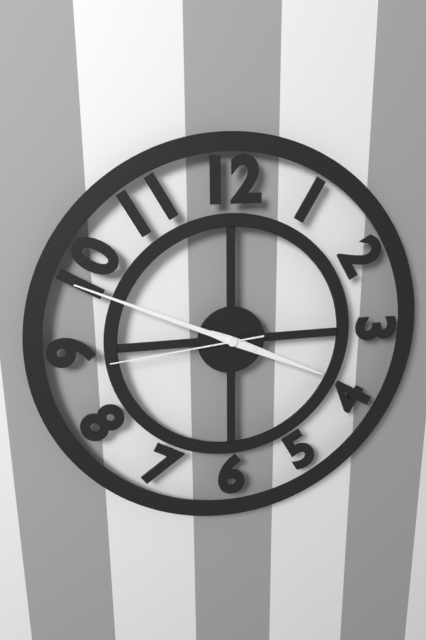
**3:49:44**
